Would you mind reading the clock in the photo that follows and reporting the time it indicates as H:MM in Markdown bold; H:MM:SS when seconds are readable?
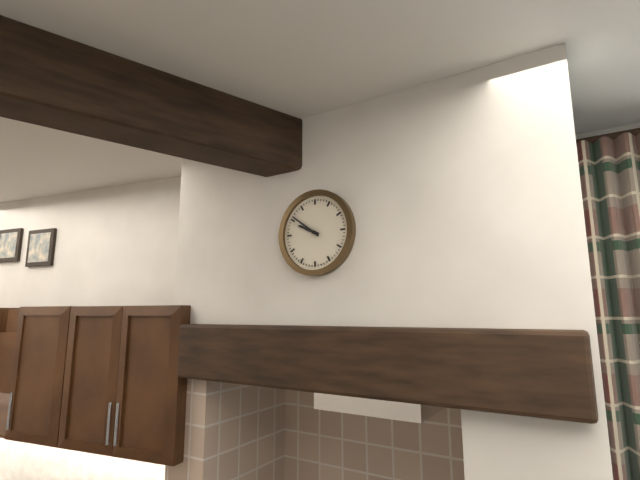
**9:51**
